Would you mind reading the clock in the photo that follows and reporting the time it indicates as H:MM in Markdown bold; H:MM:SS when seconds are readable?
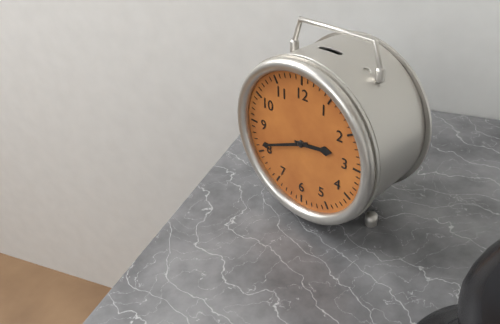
**2:41**
